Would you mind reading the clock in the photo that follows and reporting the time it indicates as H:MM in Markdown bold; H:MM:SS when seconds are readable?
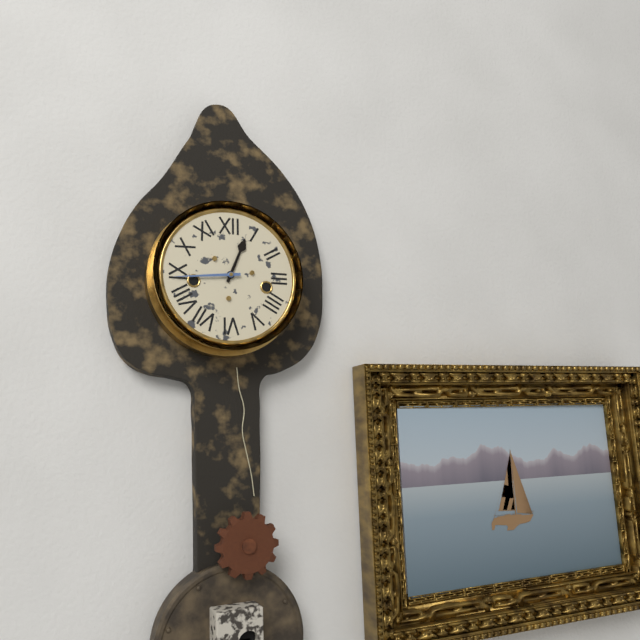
**12:44**
